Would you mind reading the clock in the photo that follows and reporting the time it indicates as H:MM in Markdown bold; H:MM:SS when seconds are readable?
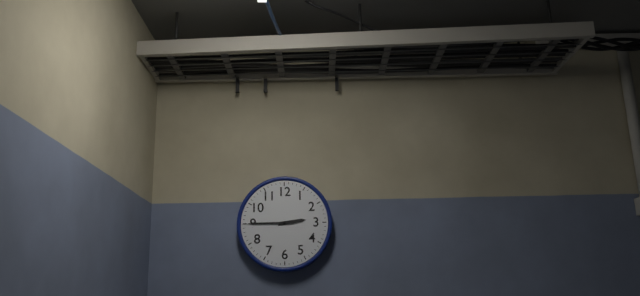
**2:45**
